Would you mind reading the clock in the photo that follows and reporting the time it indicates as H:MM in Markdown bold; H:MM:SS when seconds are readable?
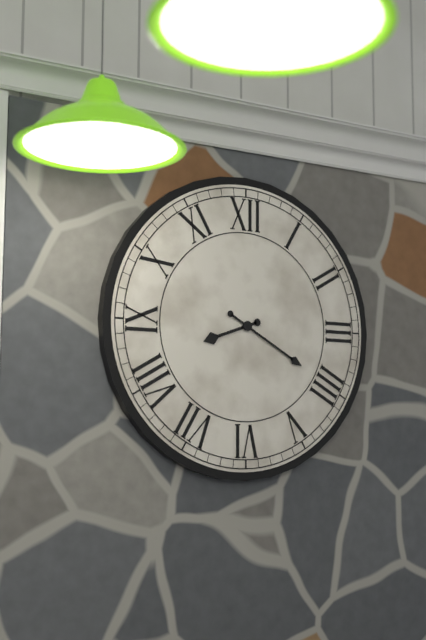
**8:20**
